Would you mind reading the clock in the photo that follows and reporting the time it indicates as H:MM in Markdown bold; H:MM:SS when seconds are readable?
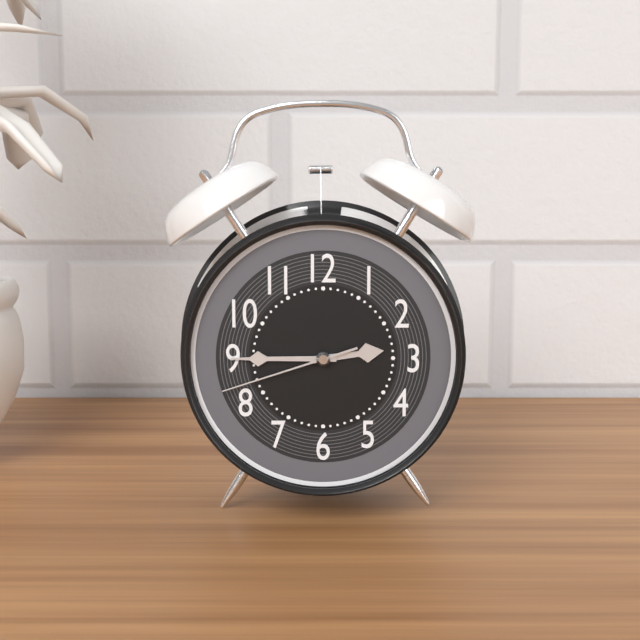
**2:45:42**
